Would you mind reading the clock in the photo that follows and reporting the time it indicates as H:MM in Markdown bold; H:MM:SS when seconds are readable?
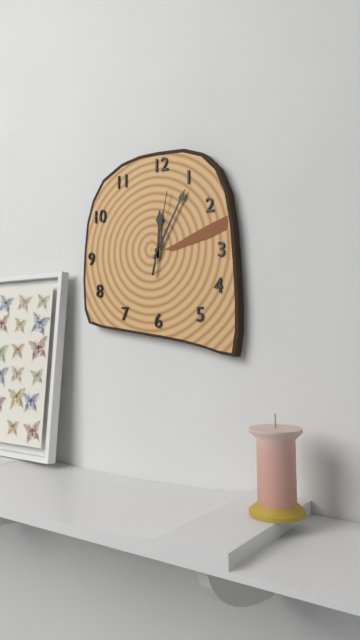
**12:05:02**
